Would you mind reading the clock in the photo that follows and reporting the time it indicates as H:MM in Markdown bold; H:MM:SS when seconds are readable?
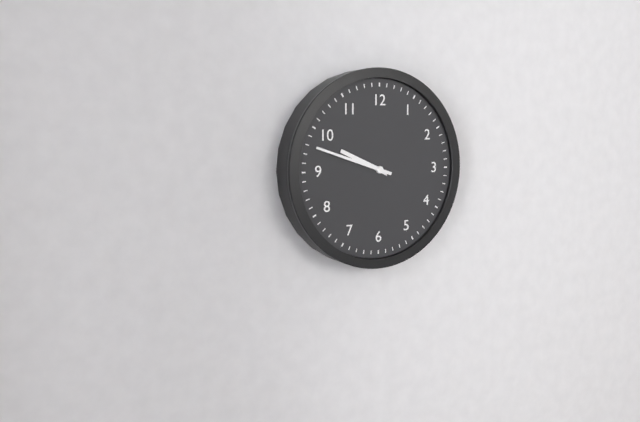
**9:48**
